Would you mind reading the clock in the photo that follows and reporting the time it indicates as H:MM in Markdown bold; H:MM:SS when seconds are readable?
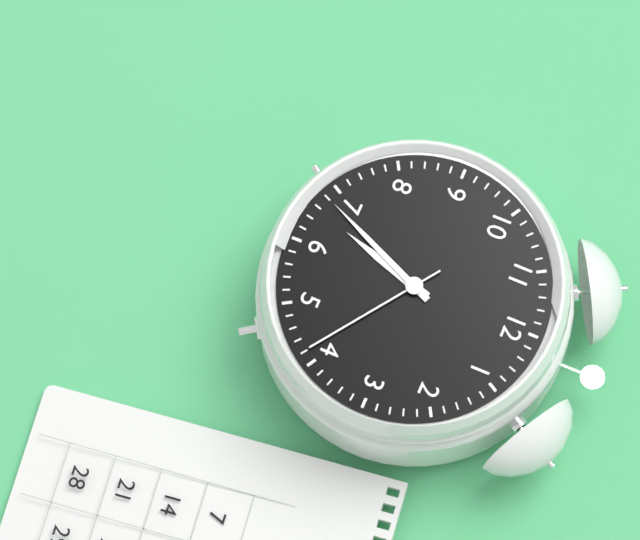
**6:34:21**
